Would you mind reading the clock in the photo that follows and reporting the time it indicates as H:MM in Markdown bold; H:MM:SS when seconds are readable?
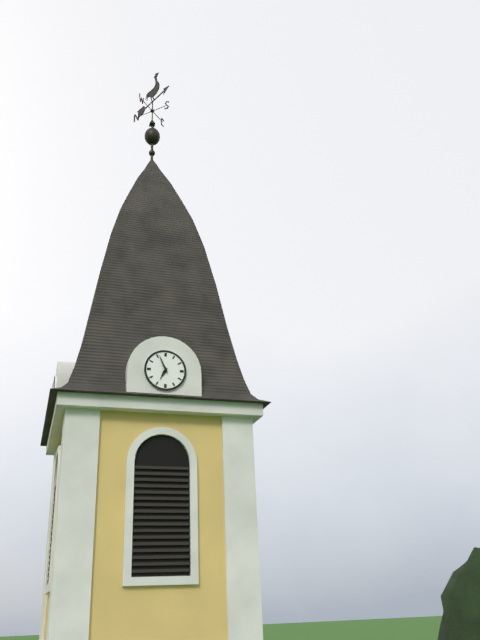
**6:56**
